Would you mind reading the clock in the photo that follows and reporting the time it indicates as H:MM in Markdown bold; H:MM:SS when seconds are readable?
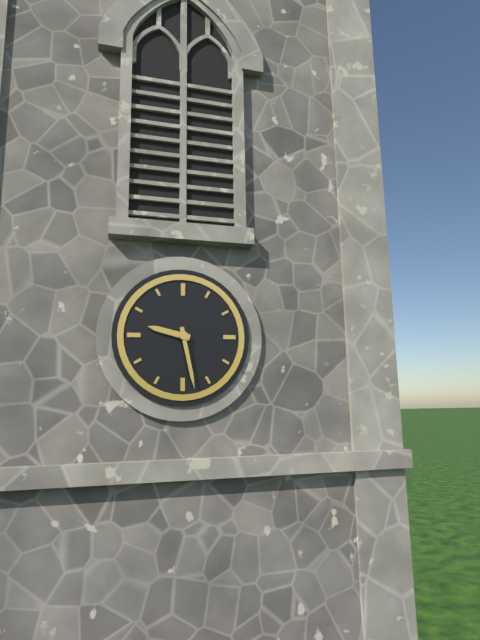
**9:28**
